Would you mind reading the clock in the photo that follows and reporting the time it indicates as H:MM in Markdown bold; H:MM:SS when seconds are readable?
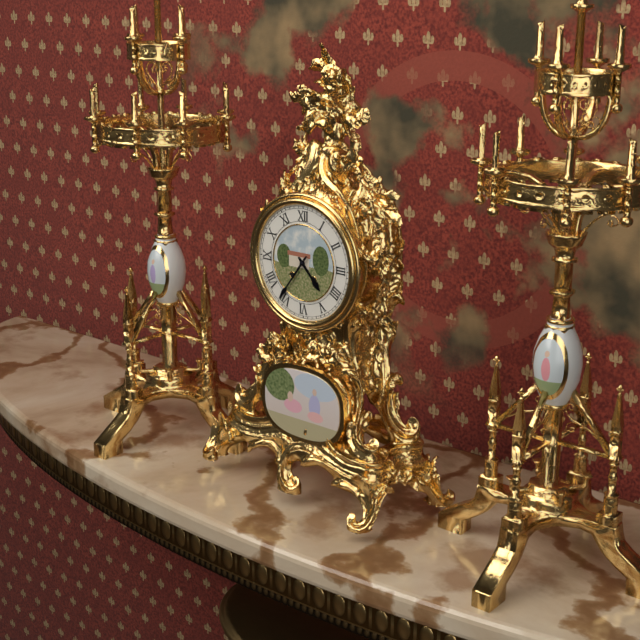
**4:36**
